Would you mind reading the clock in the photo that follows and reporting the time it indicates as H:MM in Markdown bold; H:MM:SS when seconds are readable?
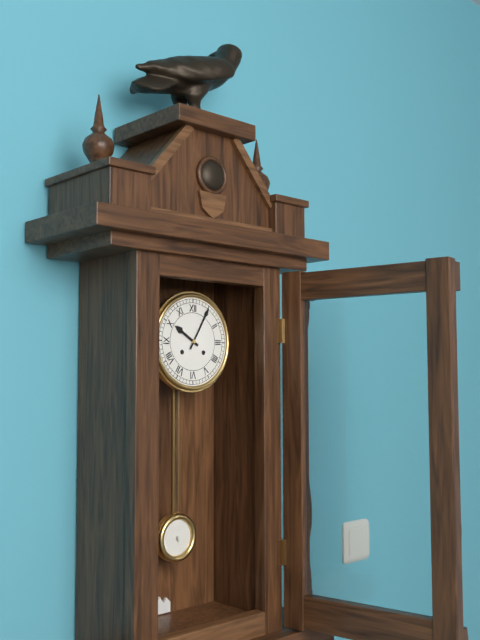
**10:05**
